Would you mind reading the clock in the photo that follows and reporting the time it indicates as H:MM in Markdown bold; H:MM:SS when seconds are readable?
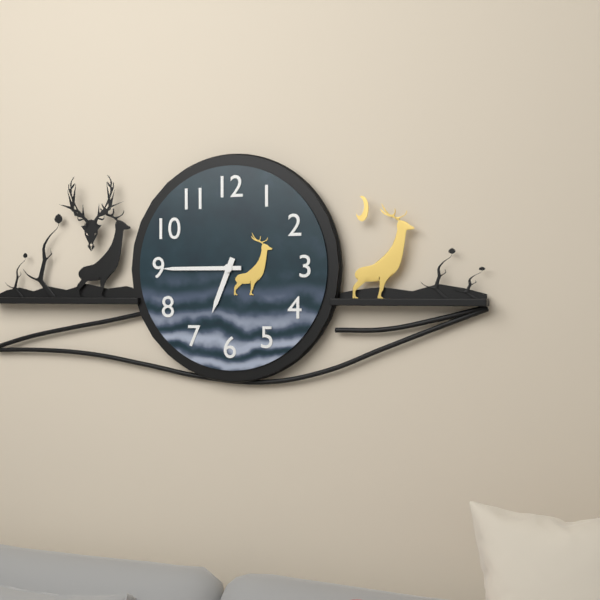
**6:45**
